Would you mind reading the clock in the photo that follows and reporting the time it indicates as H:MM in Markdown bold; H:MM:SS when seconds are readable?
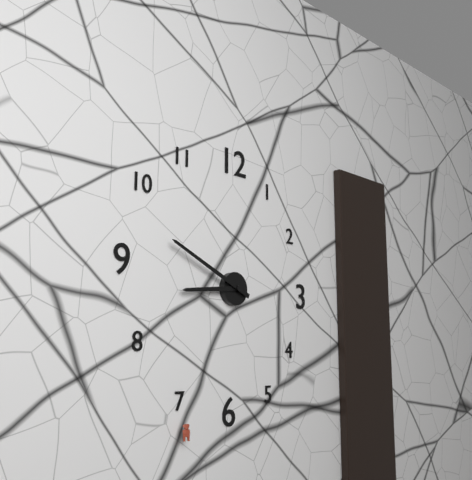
**8:49**
